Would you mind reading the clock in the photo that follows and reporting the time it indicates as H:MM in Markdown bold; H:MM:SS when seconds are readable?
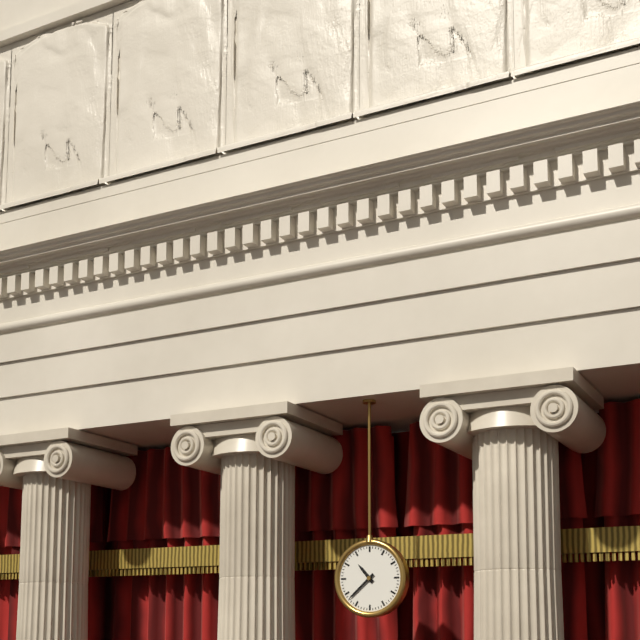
**10:38**
